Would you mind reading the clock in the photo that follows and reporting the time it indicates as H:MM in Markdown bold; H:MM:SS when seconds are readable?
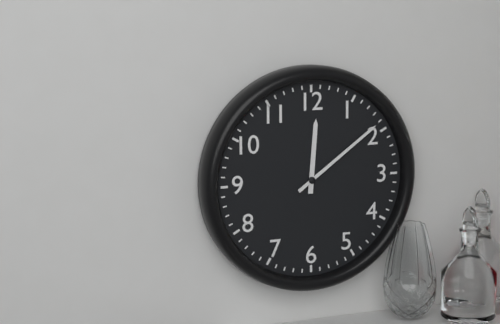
**12:09**
